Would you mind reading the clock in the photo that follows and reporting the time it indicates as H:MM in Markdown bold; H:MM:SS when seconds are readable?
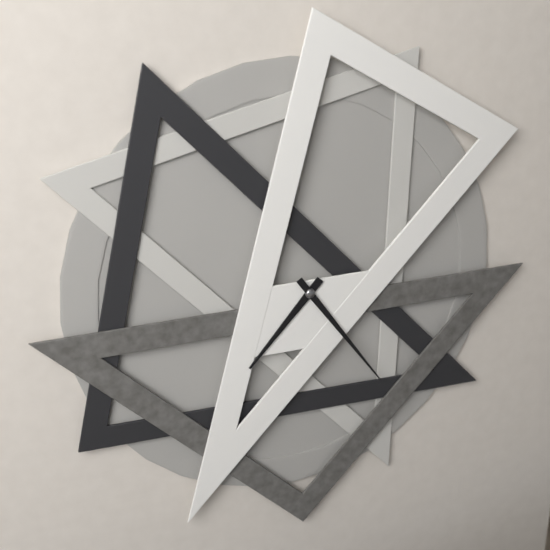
**7:24**
